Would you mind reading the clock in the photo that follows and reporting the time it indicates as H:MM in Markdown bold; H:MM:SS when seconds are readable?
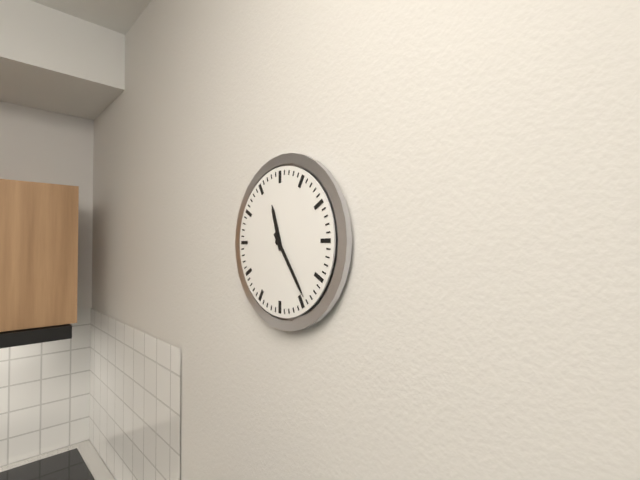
**11:24**
